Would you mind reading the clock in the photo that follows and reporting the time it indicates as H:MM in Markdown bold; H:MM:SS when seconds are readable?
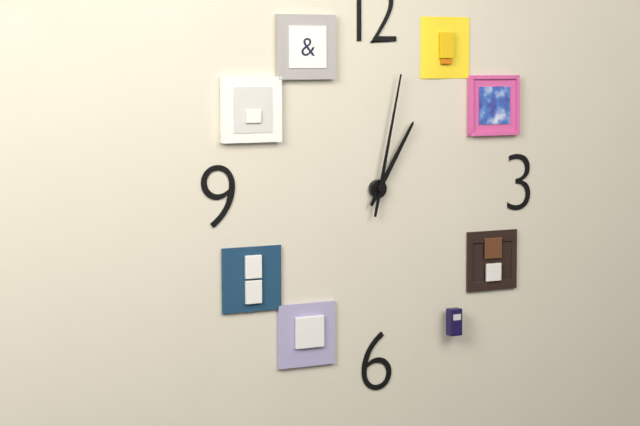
**1:02**
